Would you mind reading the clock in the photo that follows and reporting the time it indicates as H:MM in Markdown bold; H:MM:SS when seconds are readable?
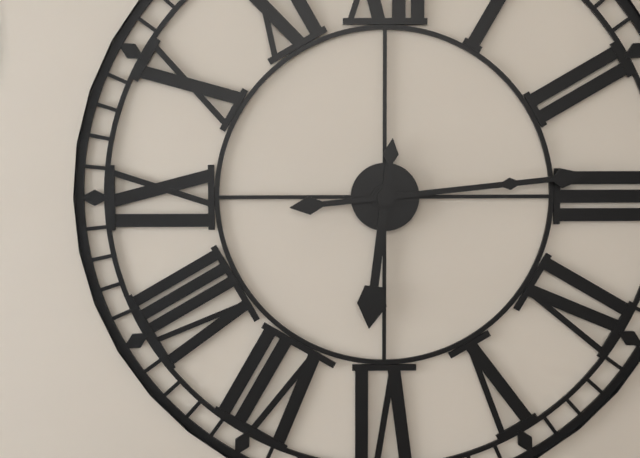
**6:14**
